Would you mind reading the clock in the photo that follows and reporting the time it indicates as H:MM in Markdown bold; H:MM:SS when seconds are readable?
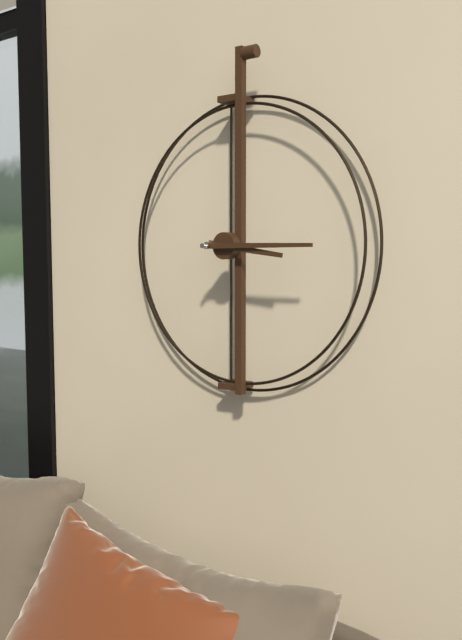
**3:15**
